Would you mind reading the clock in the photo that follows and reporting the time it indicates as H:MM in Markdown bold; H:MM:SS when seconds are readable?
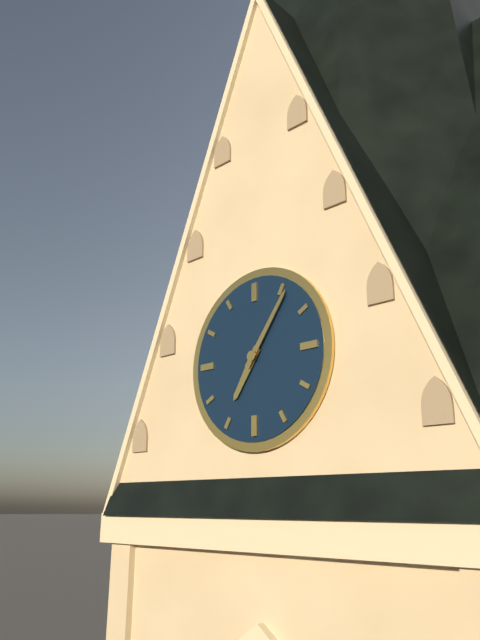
**7:06**
